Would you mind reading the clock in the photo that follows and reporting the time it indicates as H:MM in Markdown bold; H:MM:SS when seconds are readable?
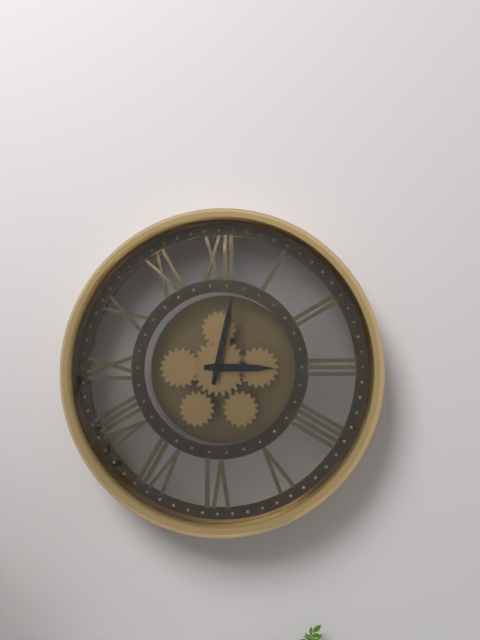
**3:02**
